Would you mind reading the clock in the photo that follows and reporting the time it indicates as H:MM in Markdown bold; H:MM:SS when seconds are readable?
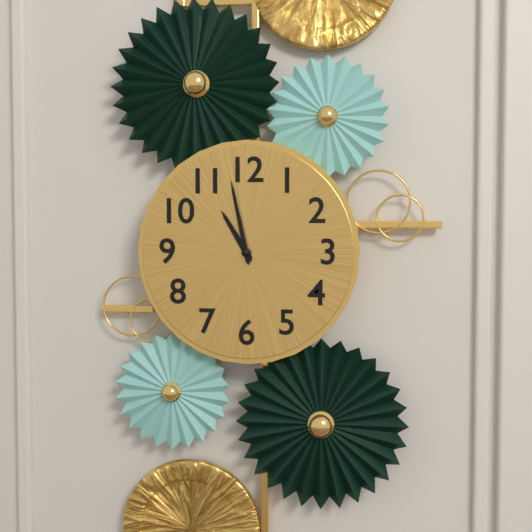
**10:58**
